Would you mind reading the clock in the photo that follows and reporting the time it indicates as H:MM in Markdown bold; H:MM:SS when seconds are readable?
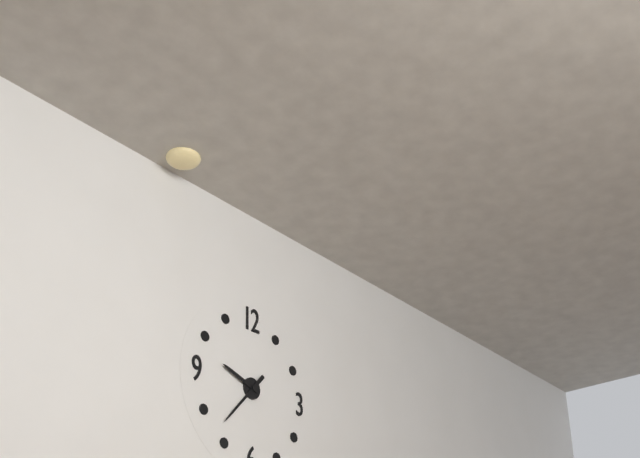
**9:37**
